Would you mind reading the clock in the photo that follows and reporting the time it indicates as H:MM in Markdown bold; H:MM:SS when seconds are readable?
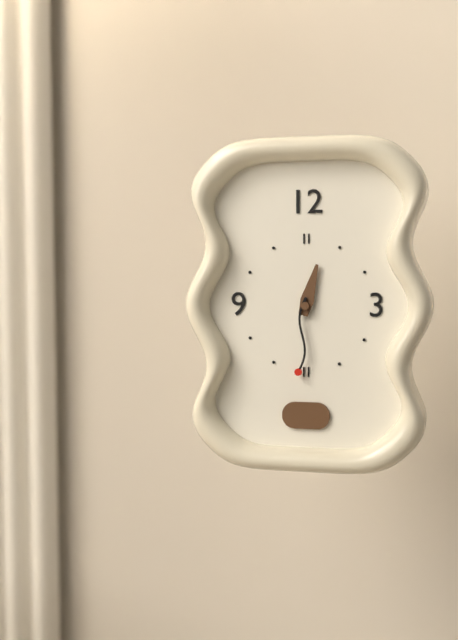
**12:31**
